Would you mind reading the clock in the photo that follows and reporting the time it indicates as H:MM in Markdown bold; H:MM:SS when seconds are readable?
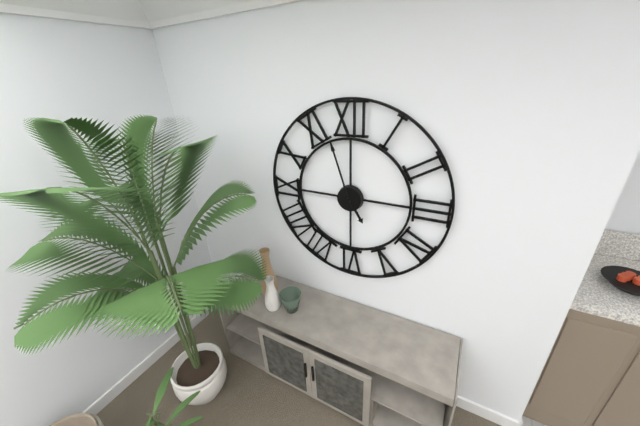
**4:57**
